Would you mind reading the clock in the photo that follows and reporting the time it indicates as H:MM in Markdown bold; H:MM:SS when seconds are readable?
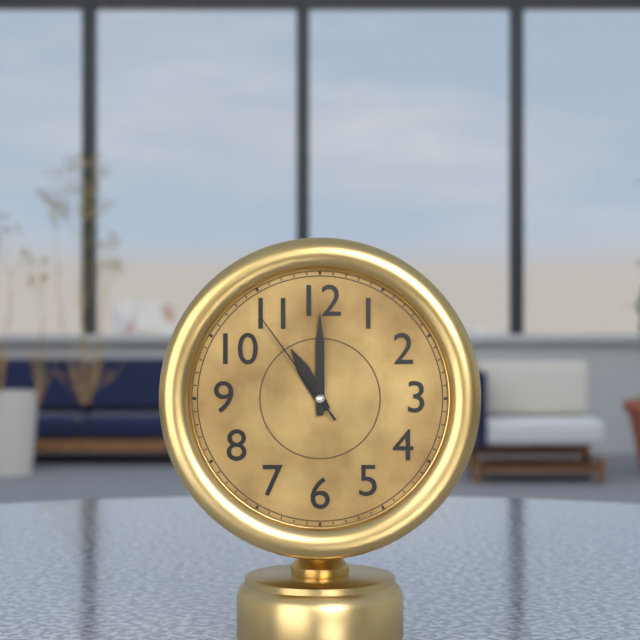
**11:00:54**
